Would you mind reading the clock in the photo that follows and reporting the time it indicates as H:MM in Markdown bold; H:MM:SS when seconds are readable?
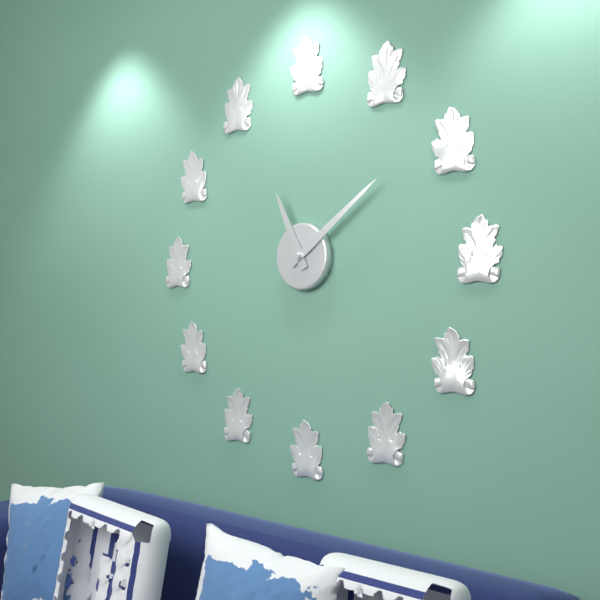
**11:09**
